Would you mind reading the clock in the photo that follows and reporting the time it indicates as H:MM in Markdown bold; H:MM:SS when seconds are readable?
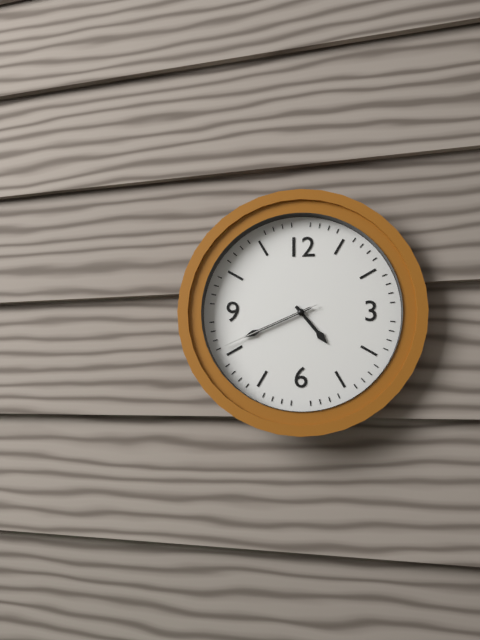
**4:41:41**
